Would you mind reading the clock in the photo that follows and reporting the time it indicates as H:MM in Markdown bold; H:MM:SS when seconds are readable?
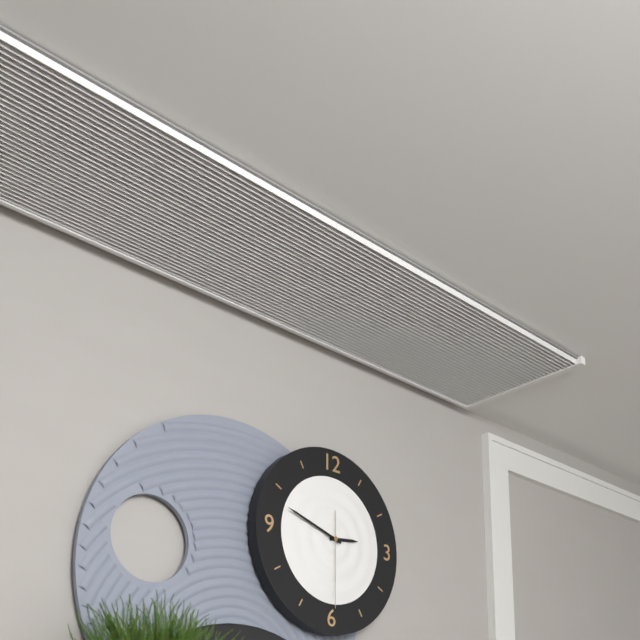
**2:48:30**
